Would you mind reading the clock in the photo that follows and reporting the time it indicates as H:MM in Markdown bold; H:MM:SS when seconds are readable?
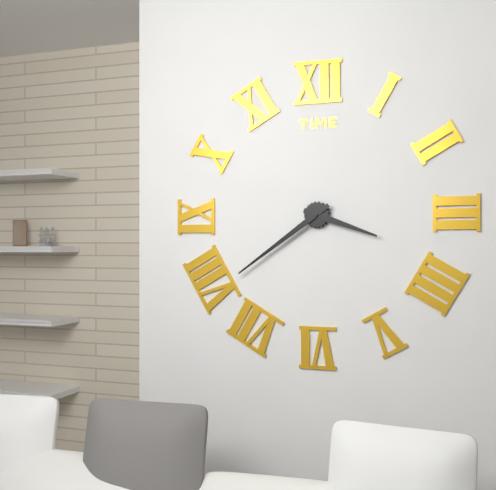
**3:39**
